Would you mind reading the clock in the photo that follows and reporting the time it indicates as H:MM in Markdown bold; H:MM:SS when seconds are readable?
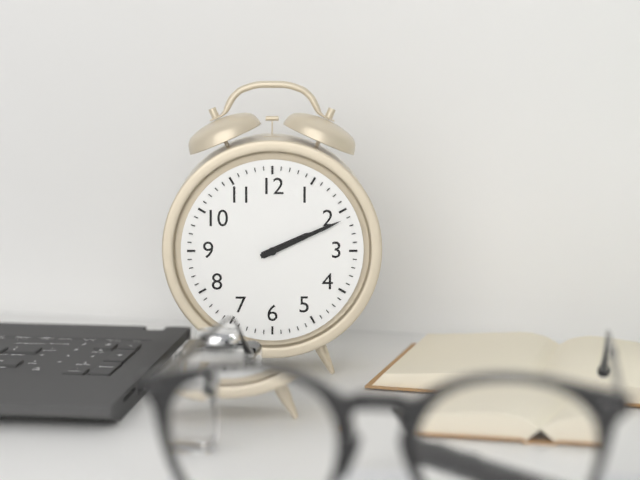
**2:11**
